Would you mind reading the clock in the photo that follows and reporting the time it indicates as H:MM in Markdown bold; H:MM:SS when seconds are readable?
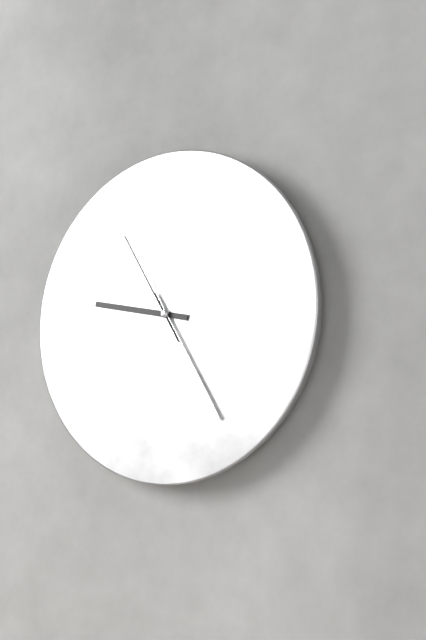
**9:25:55**
